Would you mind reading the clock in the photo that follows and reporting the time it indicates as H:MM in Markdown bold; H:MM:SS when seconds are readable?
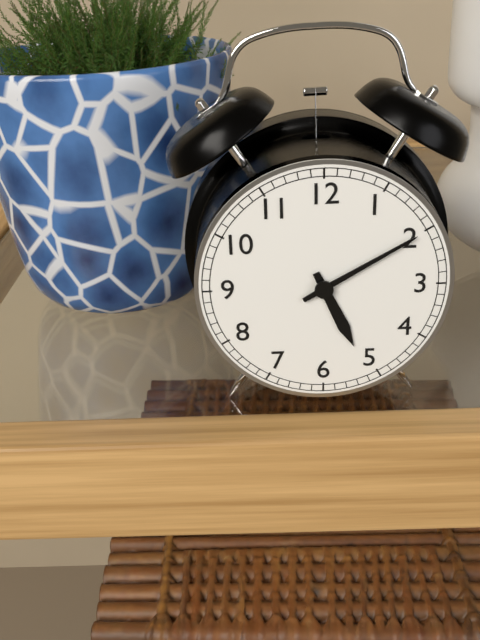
**5:10**
